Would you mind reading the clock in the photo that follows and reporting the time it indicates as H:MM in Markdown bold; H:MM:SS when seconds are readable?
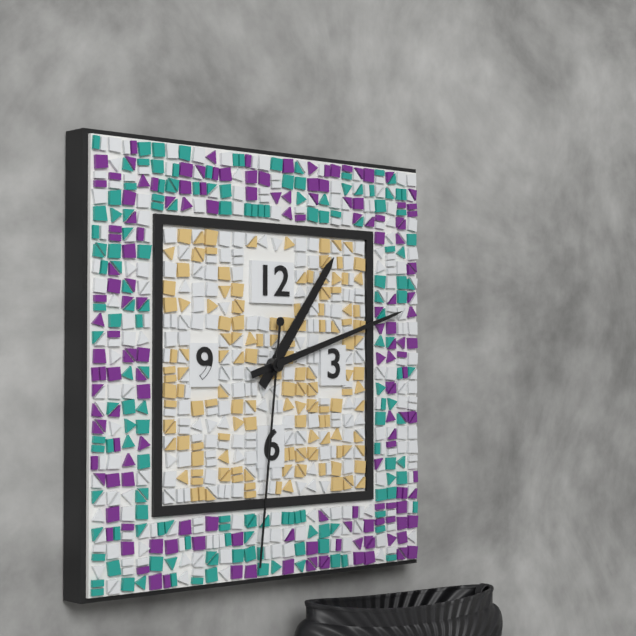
**1:12:31**
